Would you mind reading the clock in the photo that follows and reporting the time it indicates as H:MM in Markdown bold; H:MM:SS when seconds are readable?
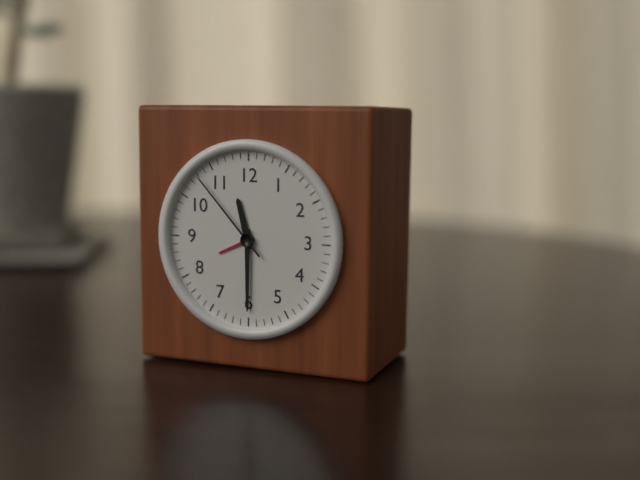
**11:30:53**
